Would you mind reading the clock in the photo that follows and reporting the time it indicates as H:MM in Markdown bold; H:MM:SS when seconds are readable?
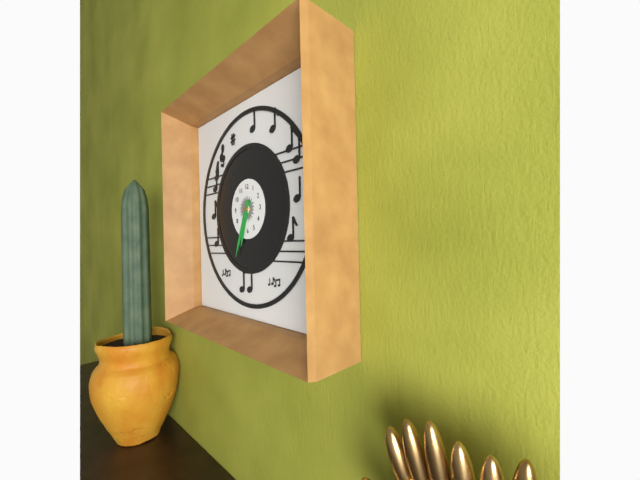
**6:34**
